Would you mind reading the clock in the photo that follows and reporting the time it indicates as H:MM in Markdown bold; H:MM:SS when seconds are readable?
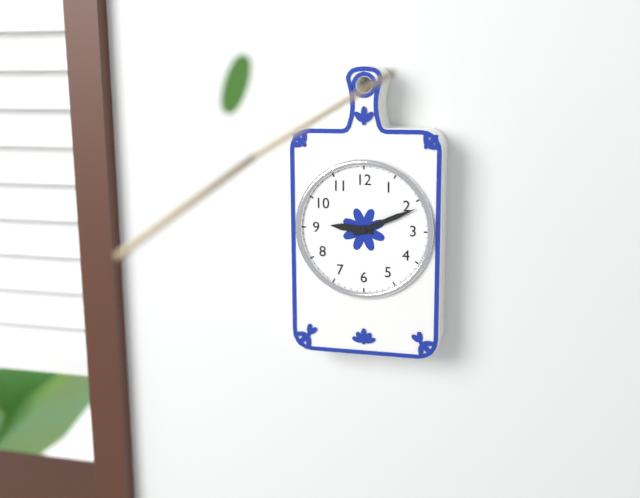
**9:11**
